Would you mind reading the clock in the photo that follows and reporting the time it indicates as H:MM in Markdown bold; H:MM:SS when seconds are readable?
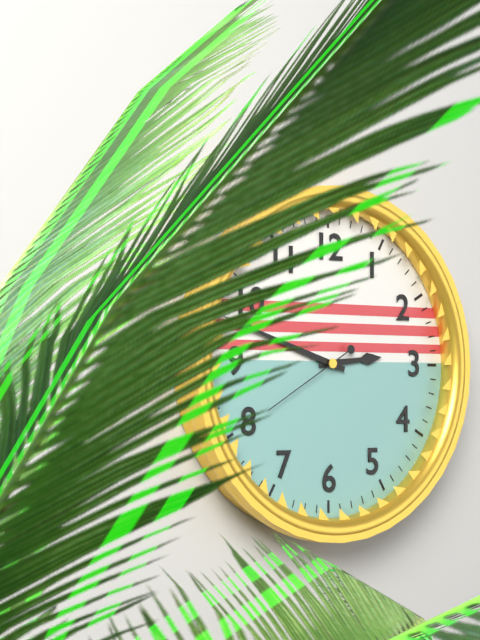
**2:48:40**
